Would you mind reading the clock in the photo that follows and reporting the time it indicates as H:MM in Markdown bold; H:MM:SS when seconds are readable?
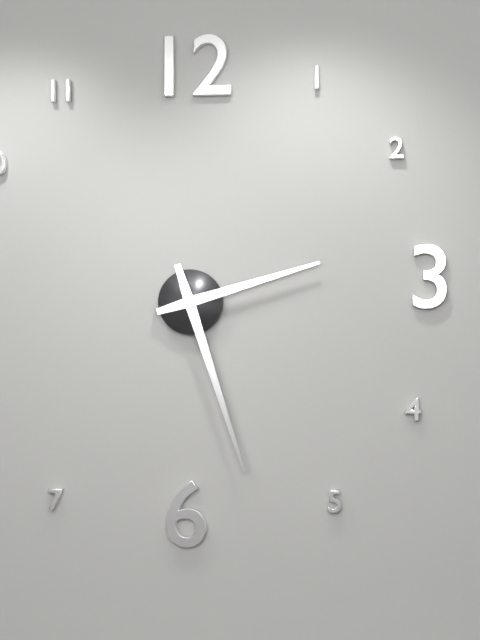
**2:27**
